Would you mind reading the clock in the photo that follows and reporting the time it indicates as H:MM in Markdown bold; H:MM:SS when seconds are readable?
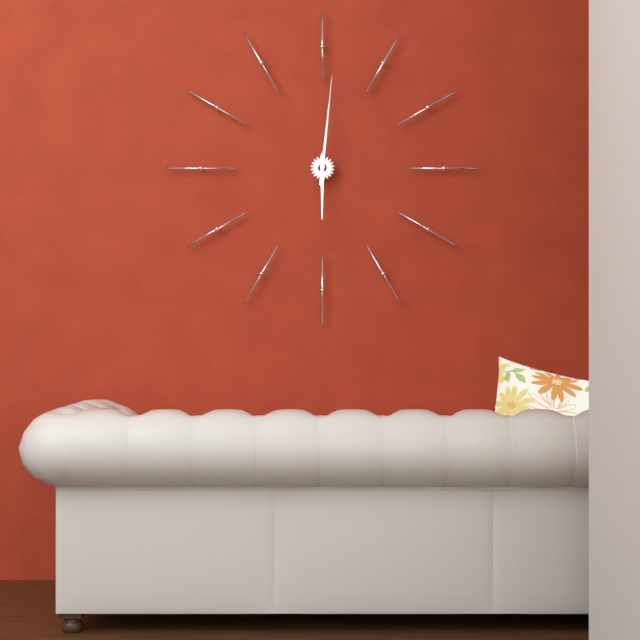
**6:01**
